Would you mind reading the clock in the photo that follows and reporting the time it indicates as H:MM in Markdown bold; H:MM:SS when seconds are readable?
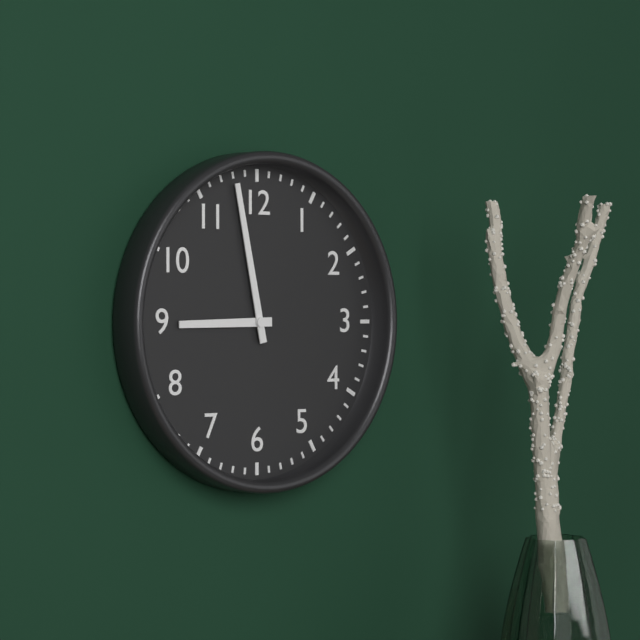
**8:58**
